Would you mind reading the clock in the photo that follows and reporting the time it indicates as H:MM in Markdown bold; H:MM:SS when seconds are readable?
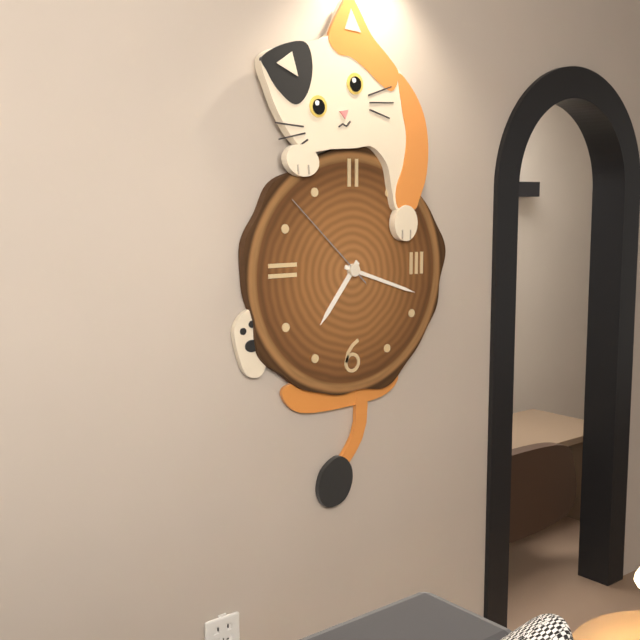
**7:18:52**
